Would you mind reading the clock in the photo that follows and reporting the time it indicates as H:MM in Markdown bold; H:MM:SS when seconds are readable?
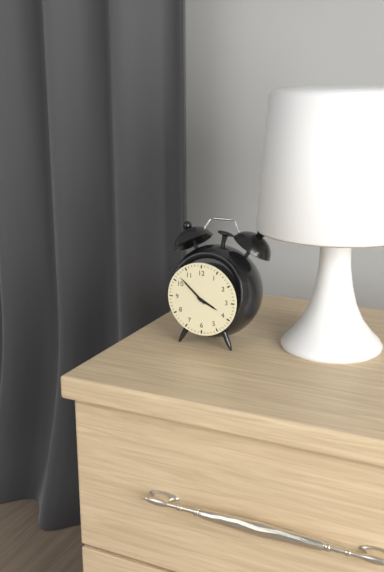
**3:52**
